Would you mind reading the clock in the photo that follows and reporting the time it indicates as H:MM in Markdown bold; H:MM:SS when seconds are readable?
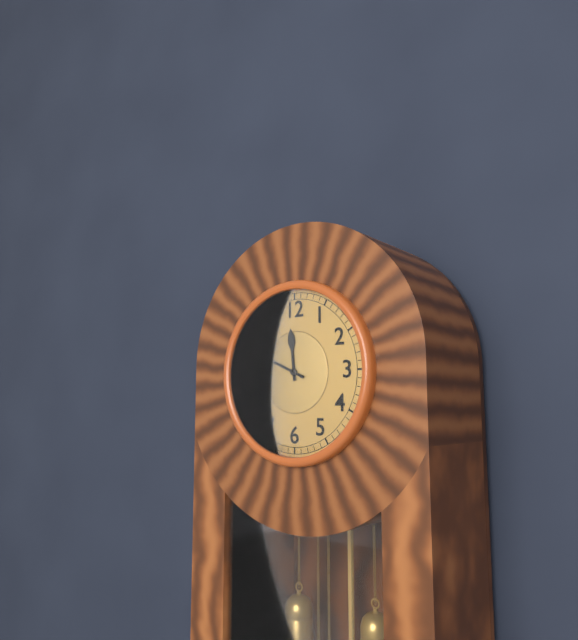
**11:49**
